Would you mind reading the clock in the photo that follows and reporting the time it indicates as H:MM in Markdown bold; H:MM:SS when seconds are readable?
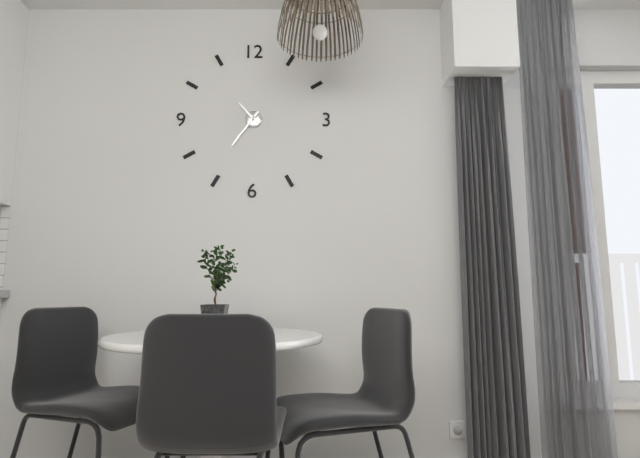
**10:36**
